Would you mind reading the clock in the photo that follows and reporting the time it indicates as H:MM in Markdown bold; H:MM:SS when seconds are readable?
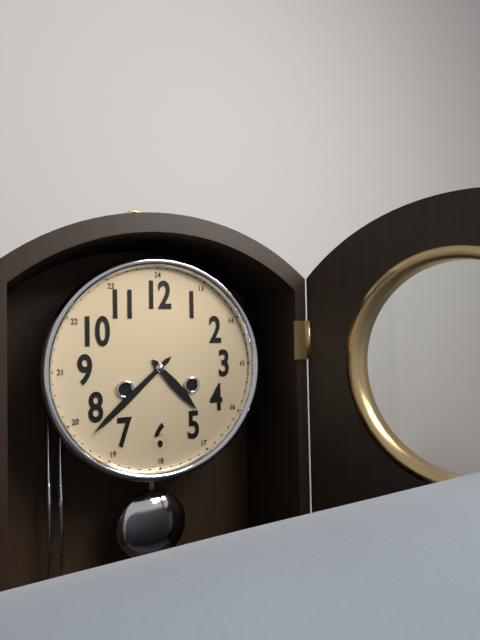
**4:38**
